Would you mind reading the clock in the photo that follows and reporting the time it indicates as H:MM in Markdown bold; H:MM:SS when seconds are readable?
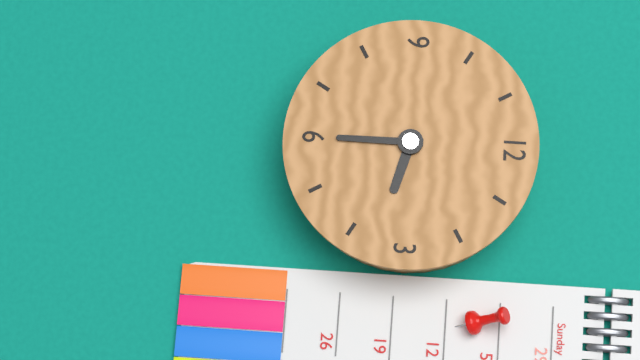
**3:30**
